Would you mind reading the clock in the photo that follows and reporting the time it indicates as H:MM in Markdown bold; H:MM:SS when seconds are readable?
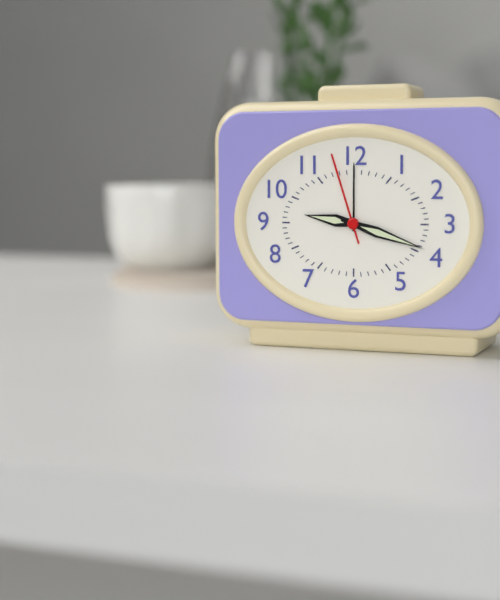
**9:18:57**
